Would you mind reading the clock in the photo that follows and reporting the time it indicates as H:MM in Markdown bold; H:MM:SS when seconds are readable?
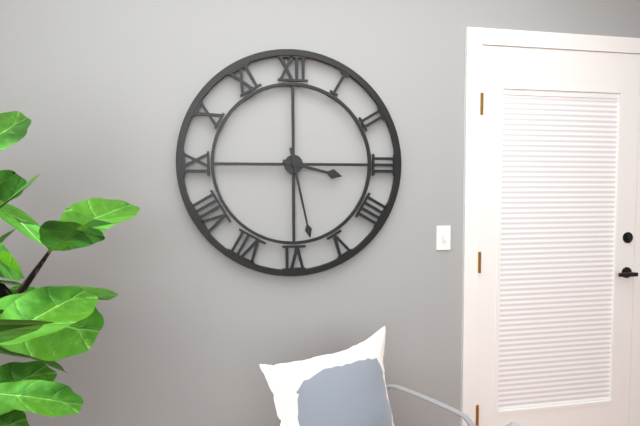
**3:28**
